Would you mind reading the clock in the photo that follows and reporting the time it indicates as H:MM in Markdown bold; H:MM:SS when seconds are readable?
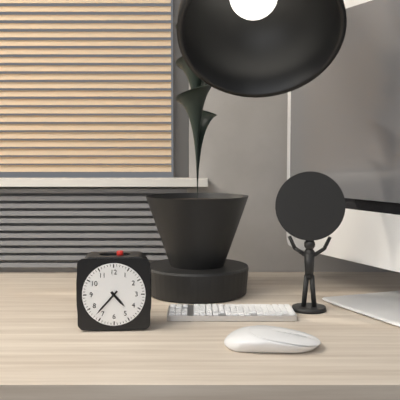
**4:37**
